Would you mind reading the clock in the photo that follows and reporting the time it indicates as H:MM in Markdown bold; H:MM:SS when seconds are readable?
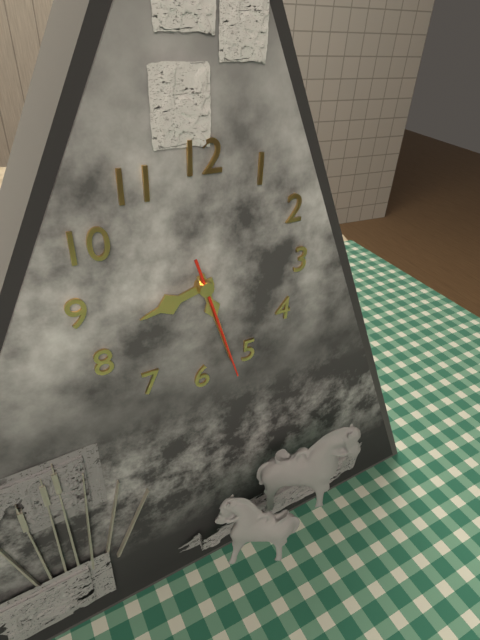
**8:27:27**
